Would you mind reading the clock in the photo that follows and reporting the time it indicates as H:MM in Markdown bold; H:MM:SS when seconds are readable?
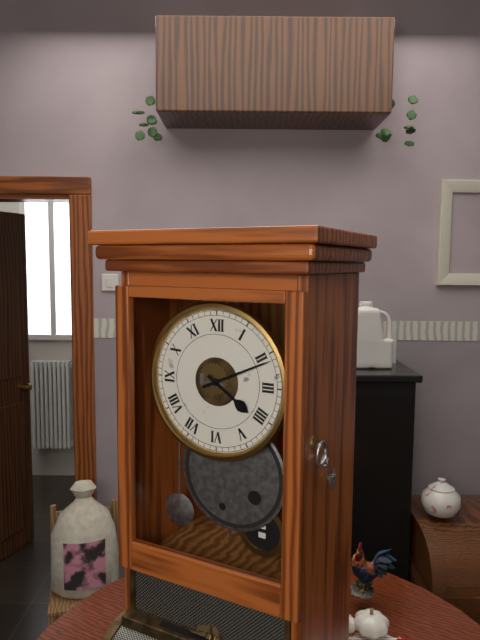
**4:11**
